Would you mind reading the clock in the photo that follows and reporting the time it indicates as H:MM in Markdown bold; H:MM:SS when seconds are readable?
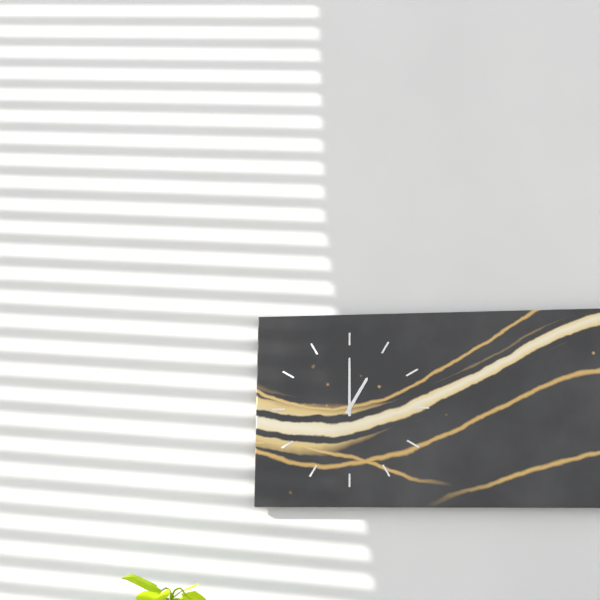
**1:00**
